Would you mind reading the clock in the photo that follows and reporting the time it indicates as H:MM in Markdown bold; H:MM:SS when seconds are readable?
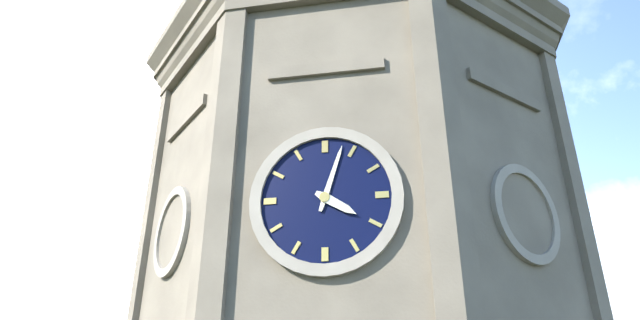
**4:03**
